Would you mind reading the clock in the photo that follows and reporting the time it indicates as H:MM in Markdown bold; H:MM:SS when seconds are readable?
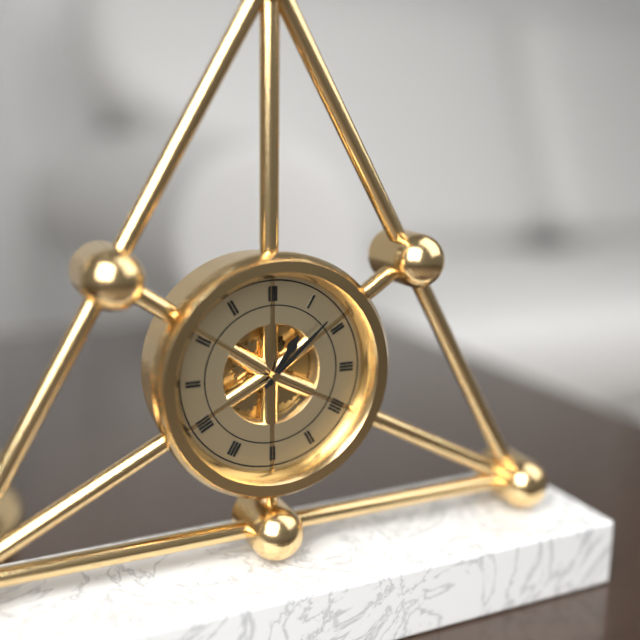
**1:08**
